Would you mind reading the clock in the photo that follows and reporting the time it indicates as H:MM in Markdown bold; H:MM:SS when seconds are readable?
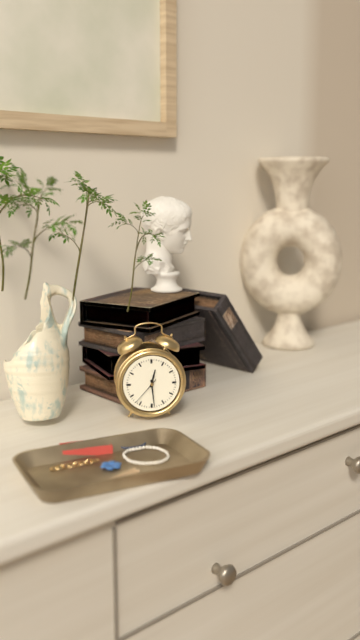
**12:29**
